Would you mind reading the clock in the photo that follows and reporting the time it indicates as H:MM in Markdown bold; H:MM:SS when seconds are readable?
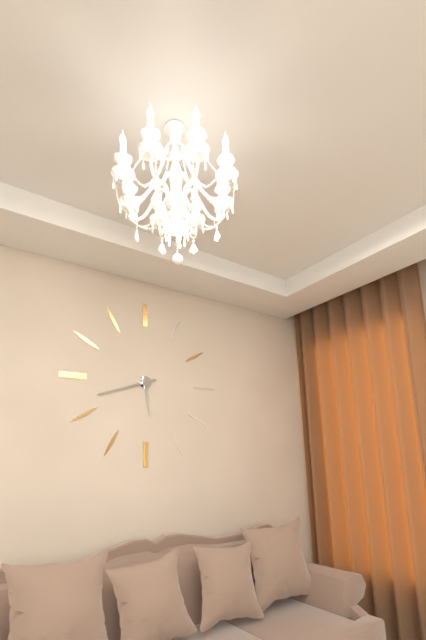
**5:42**
